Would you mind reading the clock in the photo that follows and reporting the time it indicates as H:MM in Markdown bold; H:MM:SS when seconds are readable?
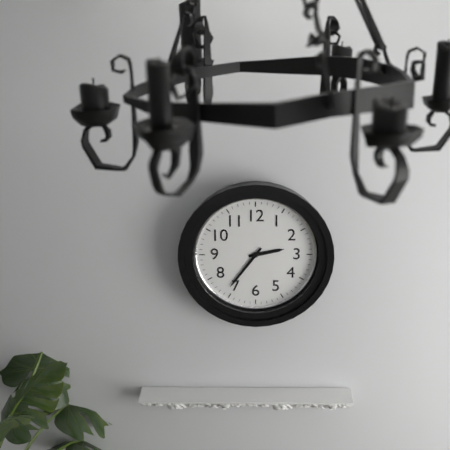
**2:36**
